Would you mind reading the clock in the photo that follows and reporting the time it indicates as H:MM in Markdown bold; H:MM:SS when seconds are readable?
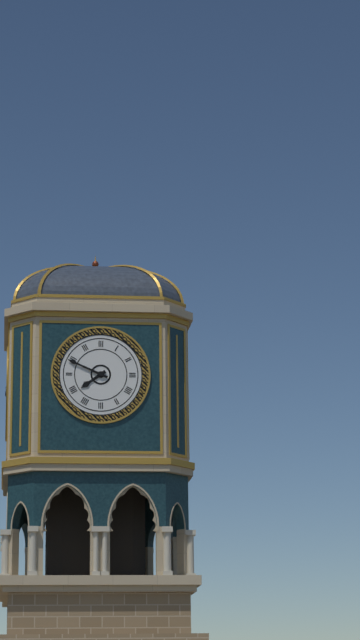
**7:49**
